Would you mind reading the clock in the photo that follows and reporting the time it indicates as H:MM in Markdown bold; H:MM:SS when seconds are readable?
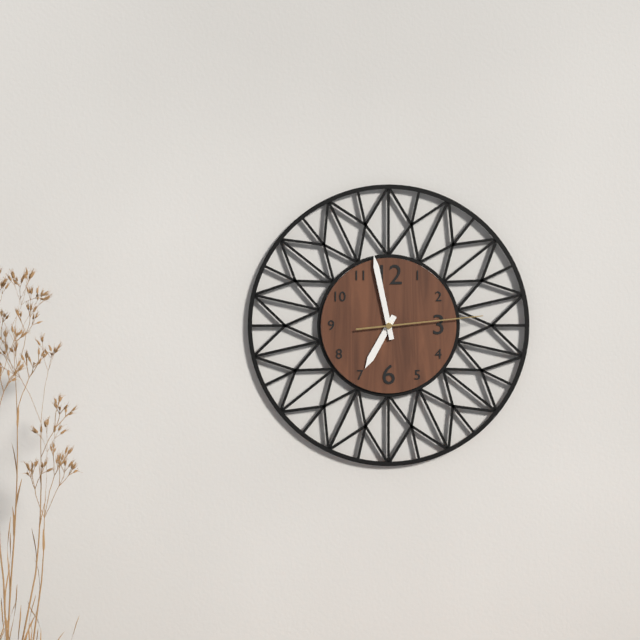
**6:58:14**
